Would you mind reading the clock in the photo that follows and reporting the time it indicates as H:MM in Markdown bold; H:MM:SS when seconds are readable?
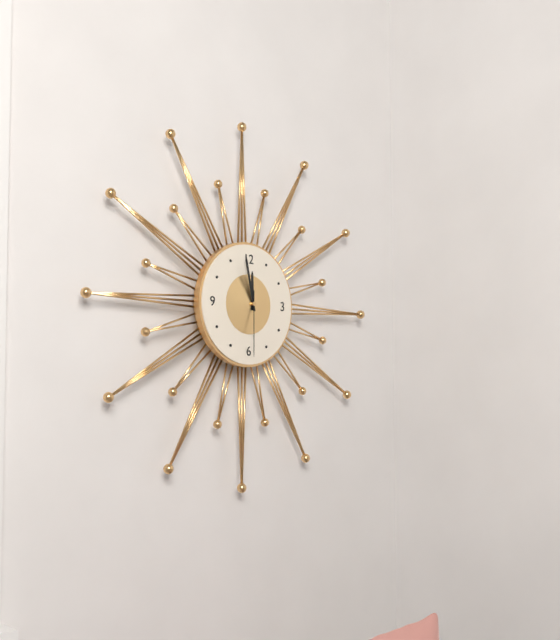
**11:58:30**
